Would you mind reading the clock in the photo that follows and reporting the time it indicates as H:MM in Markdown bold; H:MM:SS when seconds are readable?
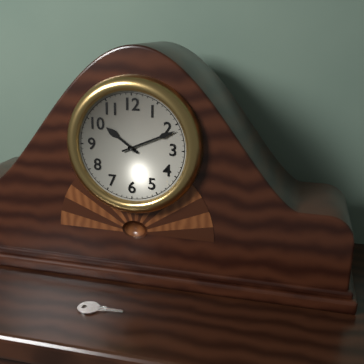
**10:11**
